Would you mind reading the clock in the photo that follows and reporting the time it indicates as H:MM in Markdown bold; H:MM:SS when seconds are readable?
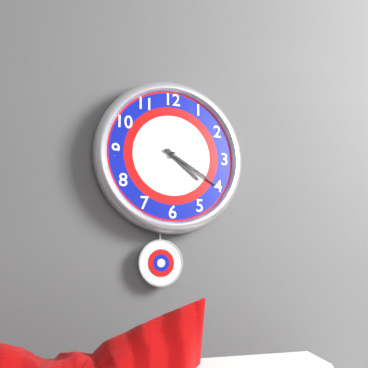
**4:20**
